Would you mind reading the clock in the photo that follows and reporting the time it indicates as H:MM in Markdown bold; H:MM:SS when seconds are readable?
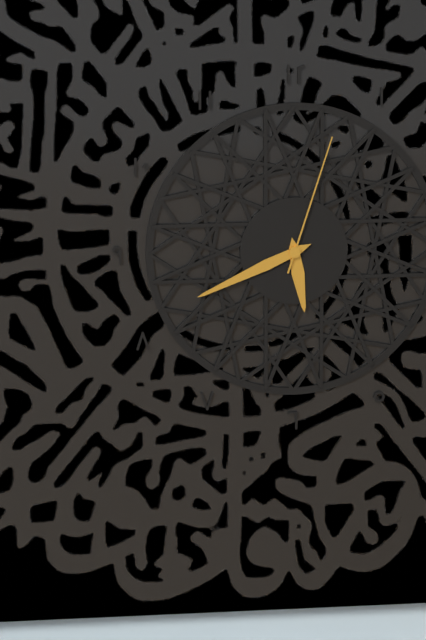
**5:41:03**
